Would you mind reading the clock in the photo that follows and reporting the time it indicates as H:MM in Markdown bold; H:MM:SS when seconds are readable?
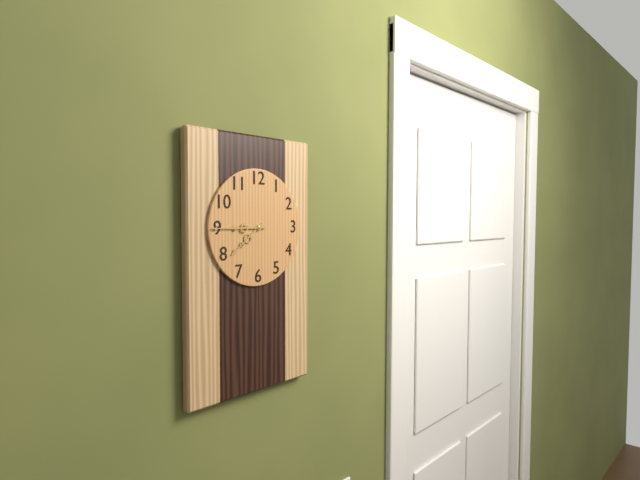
**7:45**
